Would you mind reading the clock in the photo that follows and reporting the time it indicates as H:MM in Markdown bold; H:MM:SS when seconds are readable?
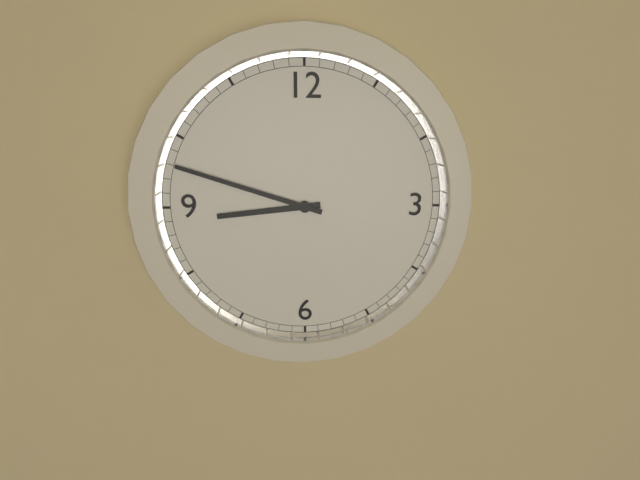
**8:48**
